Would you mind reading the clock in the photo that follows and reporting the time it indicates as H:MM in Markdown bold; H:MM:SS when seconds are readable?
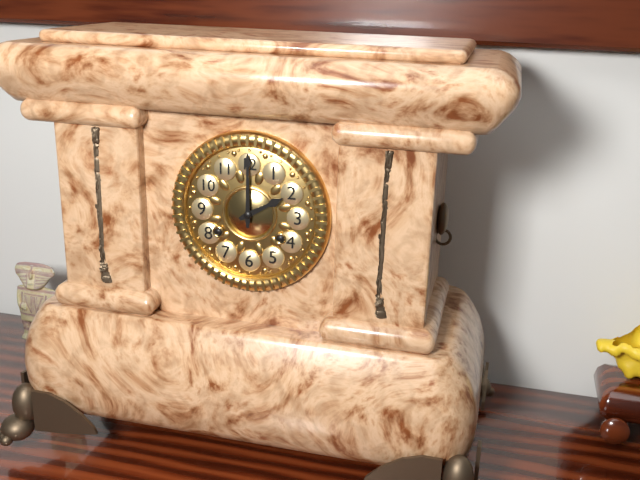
**2:00**
